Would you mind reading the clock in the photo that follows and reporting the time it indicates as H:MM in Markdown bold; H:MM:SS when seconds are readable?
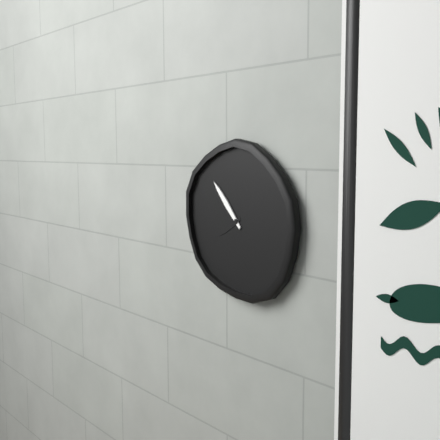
**7:53**
